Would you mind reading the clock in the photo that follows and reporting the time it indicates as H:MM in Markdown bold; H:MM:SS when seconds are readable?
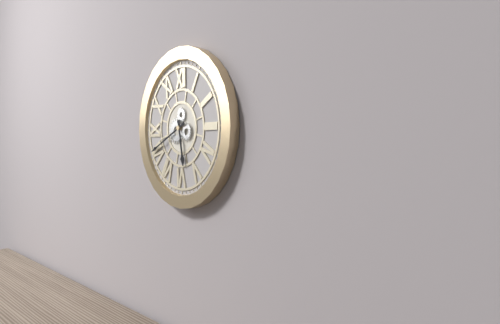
**5:41**
